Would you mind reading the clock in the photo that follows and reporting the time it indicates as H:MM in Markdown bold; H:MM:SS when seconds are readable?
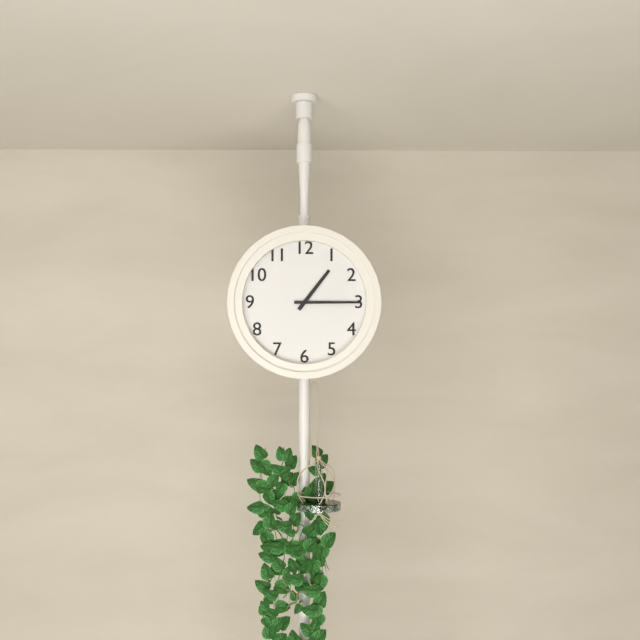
**1:15**
